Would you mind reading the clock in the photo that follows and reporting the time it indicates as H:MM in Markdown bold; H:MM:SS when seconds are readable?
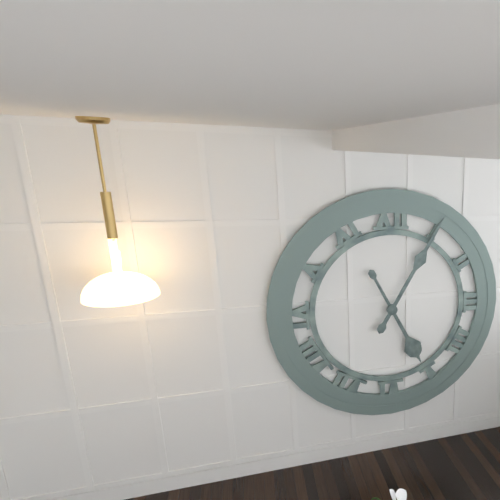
**5:05**
